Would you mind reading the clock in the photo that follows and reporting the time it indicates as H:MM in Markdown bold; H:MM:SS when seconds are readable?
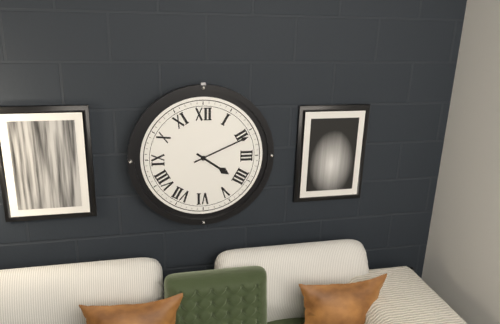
**4:11**
